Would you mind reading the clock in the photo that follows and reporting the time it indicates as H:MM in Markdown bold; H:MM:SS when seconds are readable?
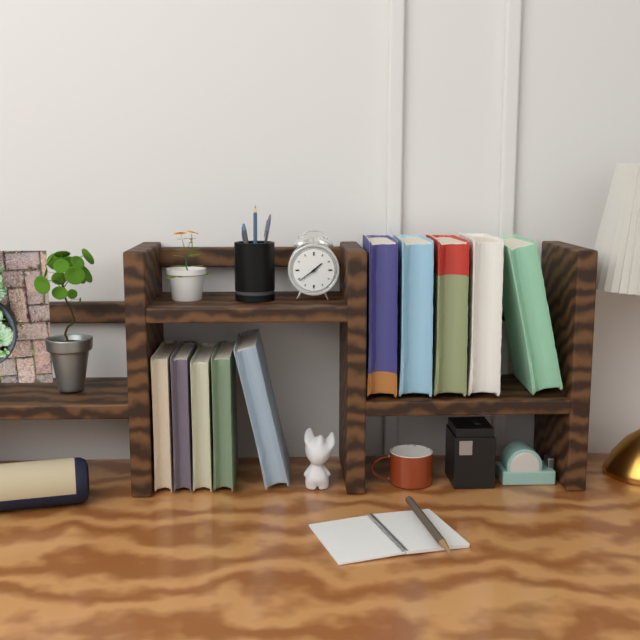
**1:39**
